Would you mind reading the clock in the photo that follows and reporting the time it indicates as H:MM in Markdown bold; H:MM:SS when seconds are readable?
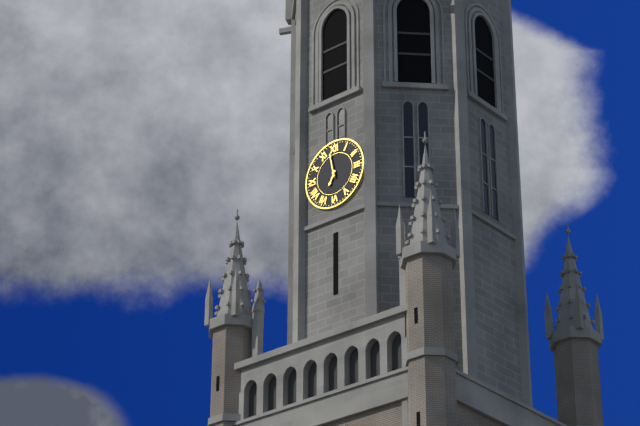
**6:58**
